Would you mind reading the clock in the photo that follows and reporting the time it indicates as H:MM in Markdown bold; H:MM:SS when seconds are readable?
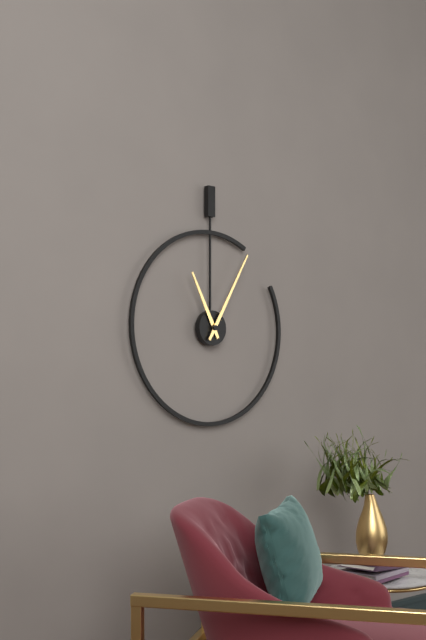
**11:05**
